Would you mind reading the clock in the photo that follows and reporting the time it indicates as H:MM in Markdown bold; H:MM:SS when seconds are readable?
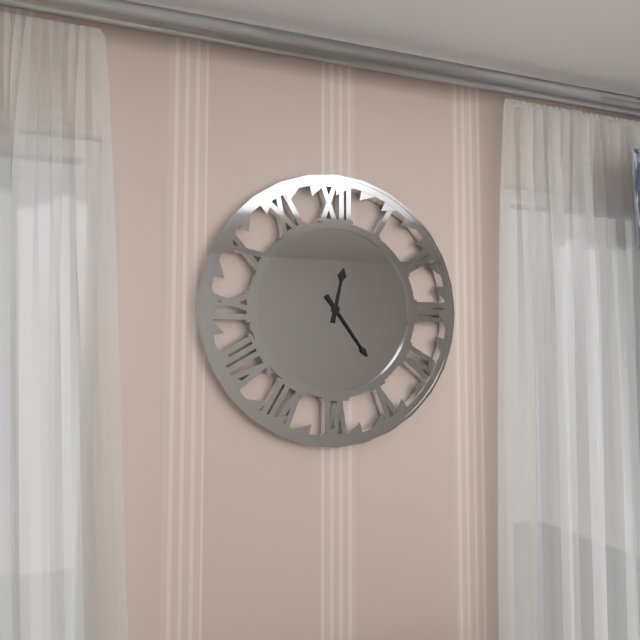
**12:24**
